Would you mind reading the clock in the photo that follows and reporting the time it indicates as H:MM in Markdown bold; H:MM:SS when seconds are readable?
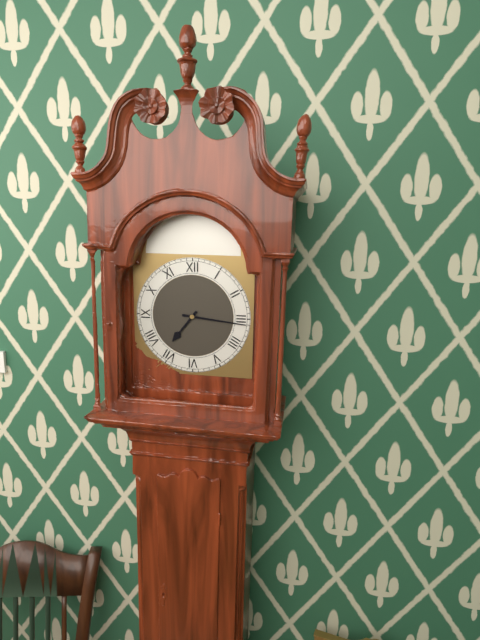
**7:16**
